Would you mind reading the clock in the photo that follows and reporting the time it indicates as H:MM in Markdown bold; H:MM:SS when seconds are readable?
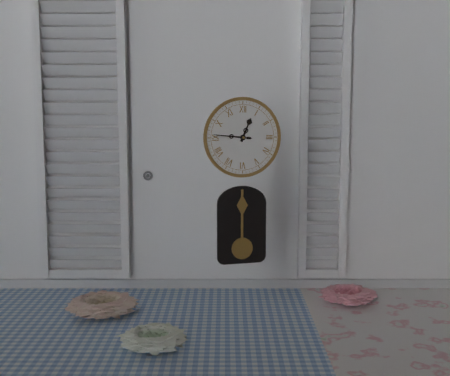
**12:46**
